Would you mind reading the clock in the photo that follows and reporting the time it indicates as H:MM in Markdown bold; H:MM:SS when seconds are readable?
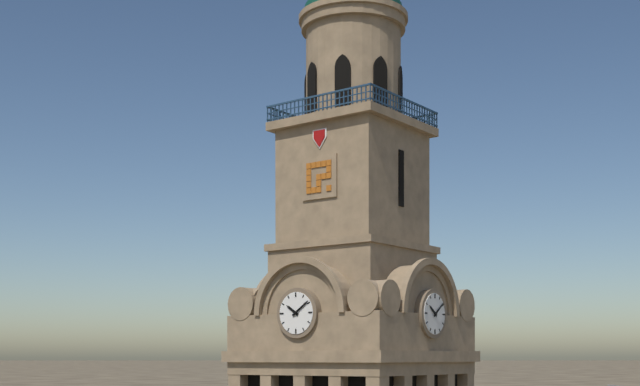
**10:09**
